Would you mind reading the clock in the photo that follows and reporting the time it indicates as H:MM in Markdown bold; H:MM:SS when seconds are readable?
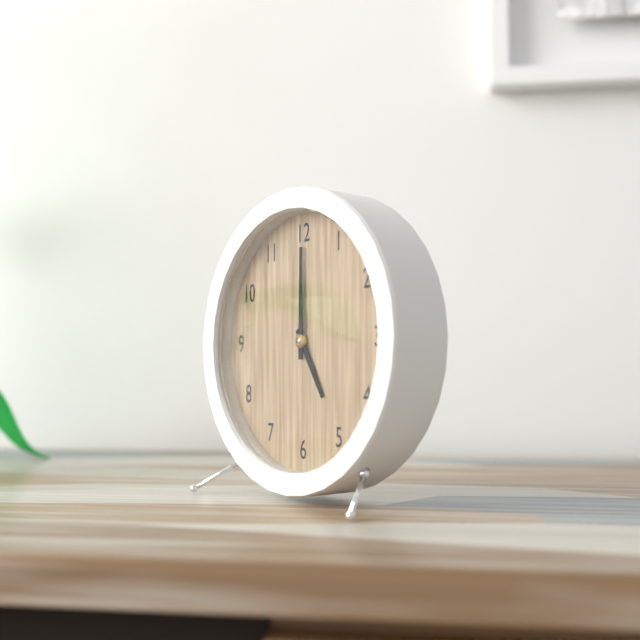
**5:00**
